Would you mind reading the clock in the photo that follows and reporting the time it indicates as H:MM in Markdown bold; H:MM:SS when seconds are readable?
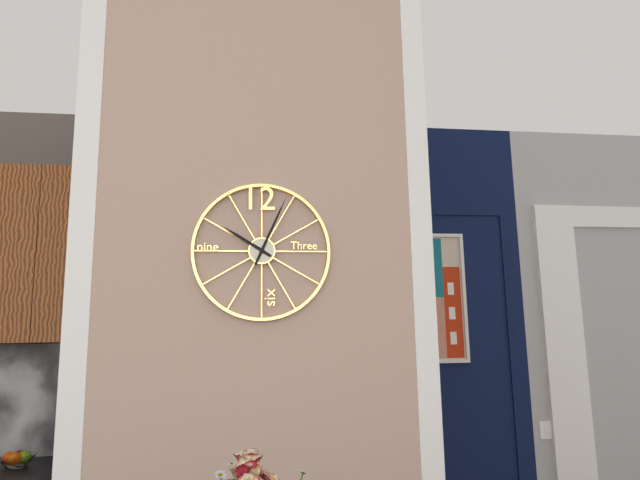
**10:04**
